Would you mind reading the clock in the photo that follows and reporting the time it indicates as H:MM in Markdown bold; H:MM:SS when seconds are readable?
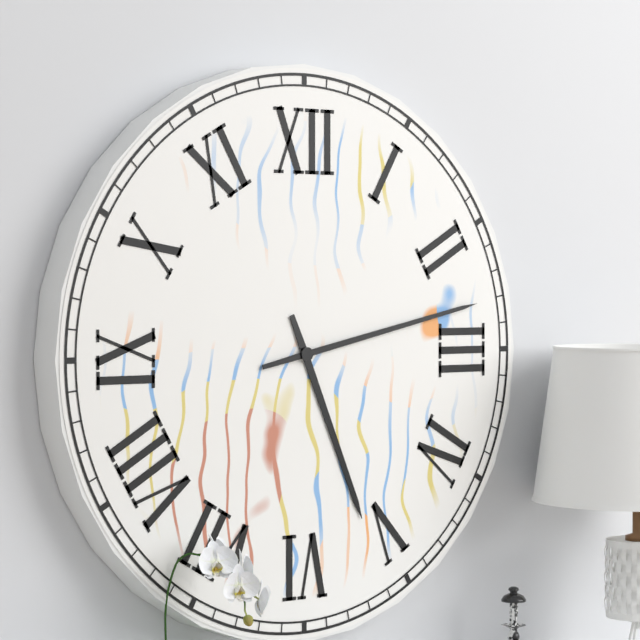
**5:13**
